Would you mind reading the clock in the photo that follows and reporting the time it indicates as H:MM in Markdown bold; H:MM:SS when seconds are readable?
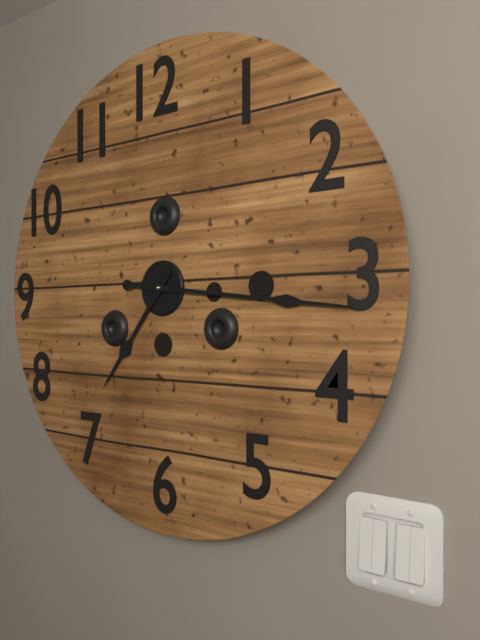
**7:16**
